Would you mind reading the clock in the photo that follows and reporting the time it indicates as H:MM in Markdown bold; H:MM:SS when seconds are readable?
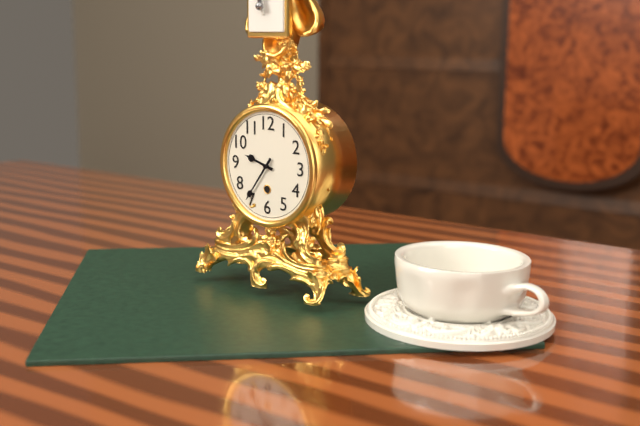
**9:36**
